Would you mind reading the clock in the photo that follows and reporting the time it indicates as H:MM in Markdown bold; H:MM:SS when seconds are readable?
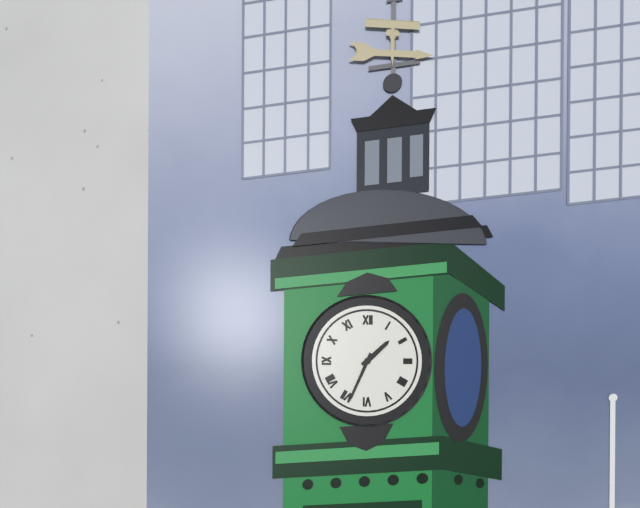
**1:34**
